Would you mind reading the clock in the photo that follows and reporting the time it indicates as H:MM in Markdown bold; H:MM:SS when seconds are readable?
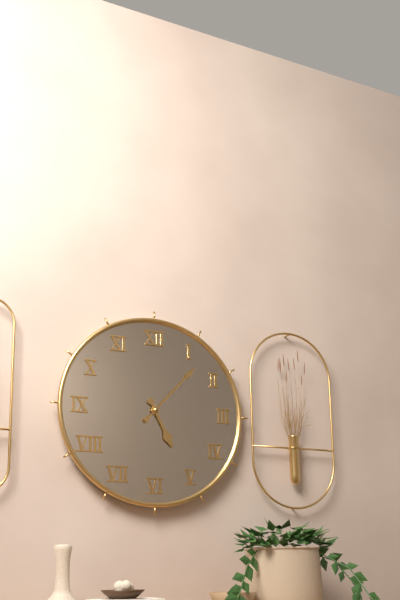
**5:07**
